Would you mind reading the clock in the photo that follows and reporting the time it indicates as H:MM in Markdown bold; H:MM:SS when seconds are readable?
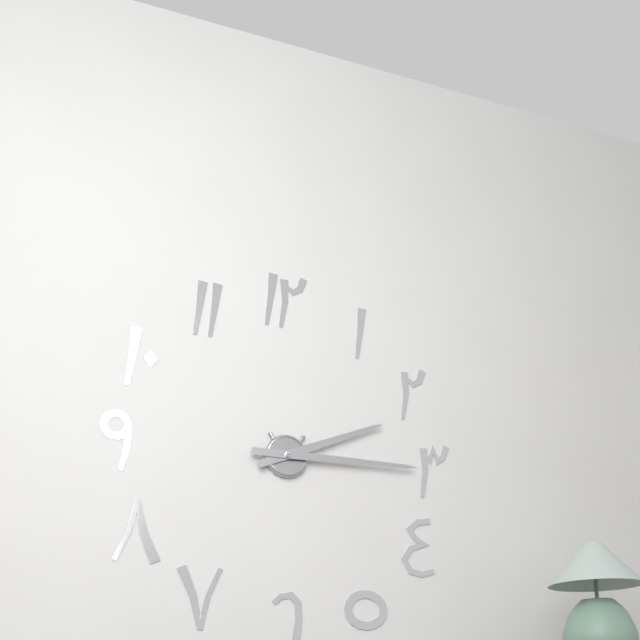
**2:15**
